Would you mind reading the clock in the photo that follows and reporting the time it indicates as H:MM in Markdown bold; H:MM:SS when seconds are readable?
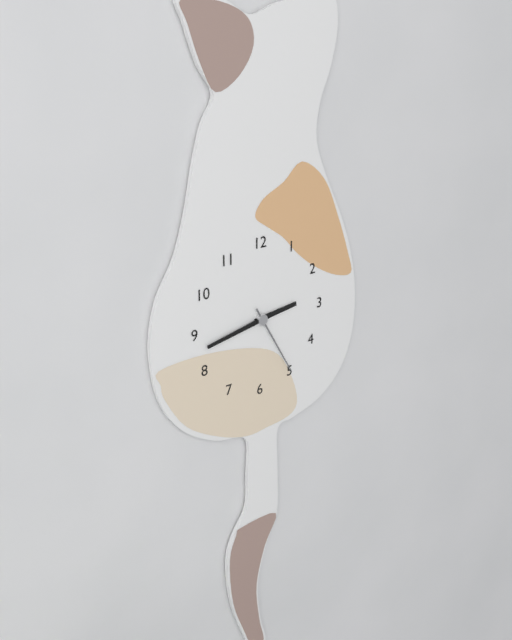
**2:43:25**
